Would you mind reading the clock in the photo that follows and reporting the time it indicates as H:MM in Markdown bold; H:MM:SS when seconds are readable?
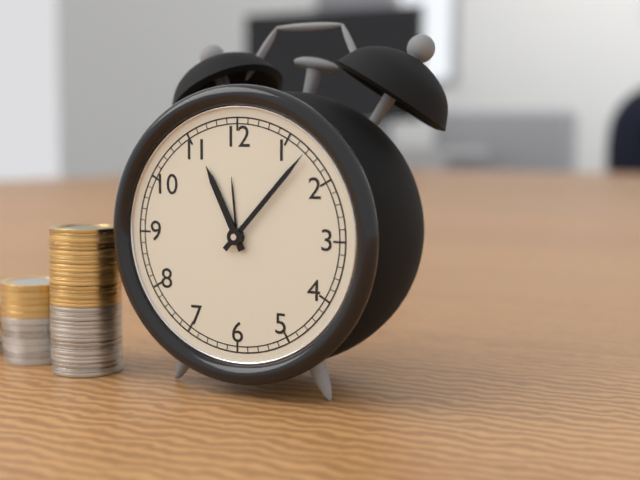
**11:07**
